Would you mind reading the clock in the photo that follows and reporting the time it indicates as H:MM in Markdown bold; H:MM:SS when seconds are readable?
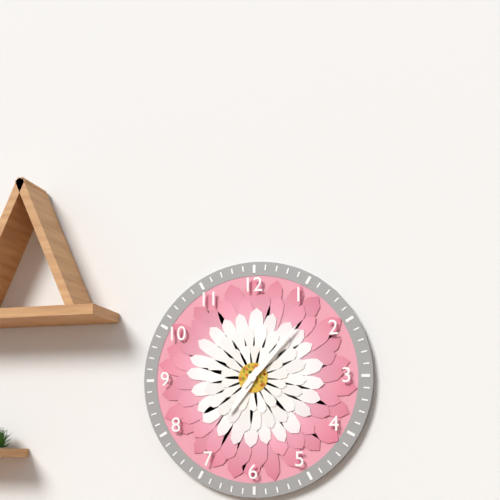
**7:07**
